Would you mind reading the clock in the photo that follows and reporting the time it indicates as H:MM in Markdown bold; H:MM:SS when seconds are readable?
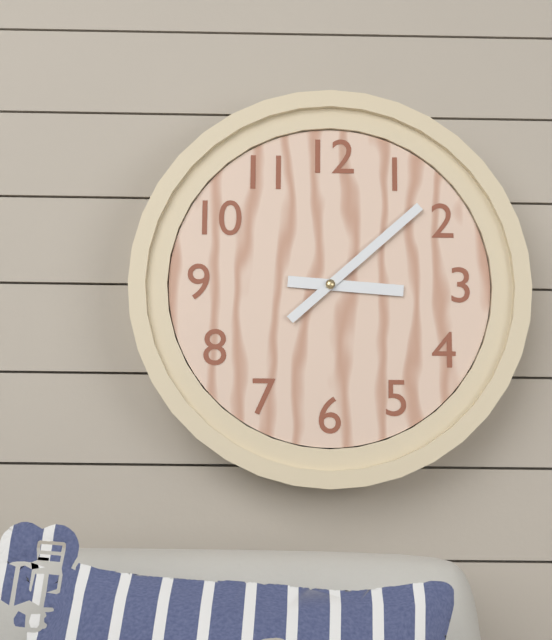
**3:08**
